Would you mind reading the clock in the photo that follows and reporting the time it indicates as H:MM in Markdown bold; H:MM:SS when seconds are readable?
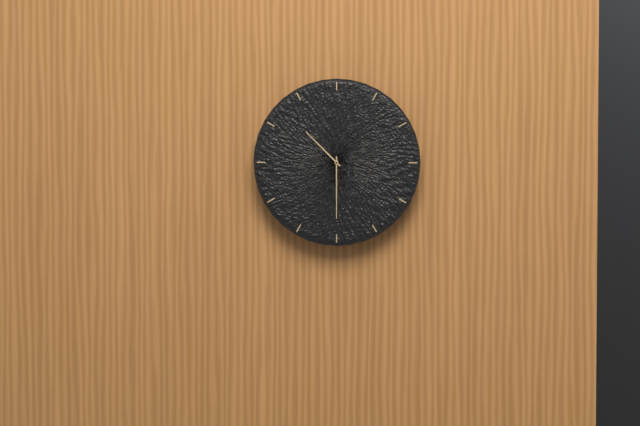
**10:30**
